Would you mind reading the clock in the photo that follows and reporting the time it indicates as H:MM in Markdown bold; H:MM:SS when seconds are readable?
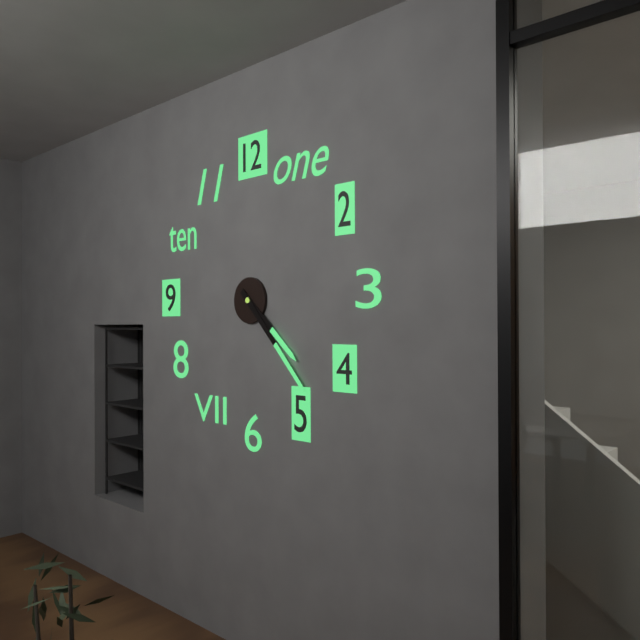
**4:23**
